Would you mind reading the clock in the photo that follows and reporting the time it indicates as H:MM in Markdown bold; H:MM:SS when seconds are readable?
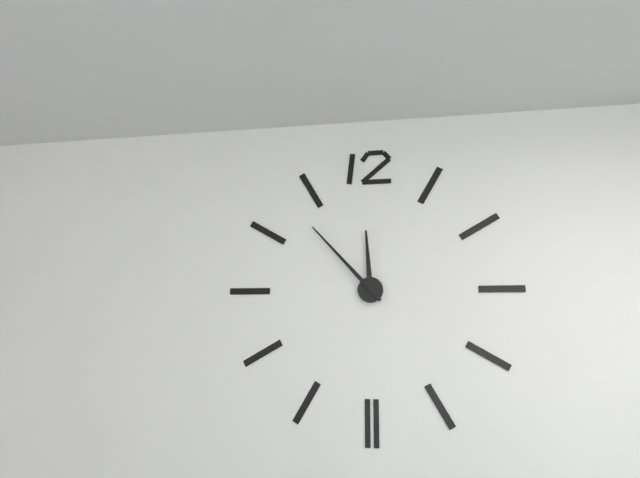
**11:53**
